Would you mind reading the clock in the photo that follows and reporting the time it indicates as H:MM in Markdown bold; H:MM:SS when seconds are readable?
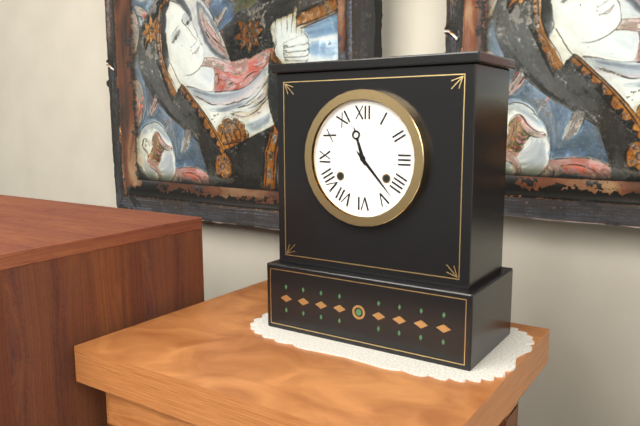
**11:23**
